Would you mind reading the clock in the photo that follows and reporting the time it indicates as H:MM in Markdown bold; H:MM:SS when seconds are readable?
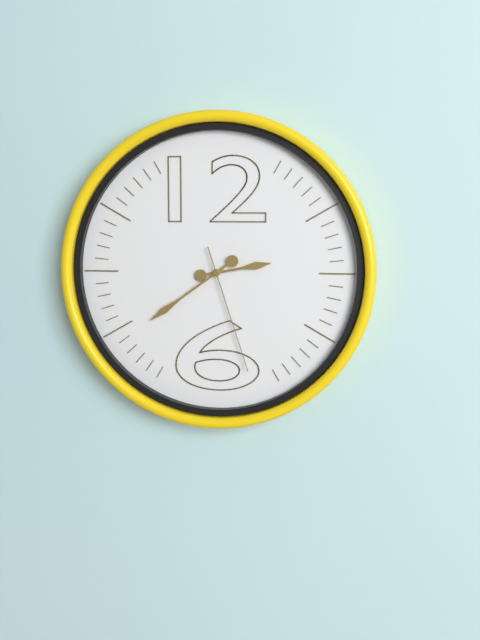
**2:39:27**
